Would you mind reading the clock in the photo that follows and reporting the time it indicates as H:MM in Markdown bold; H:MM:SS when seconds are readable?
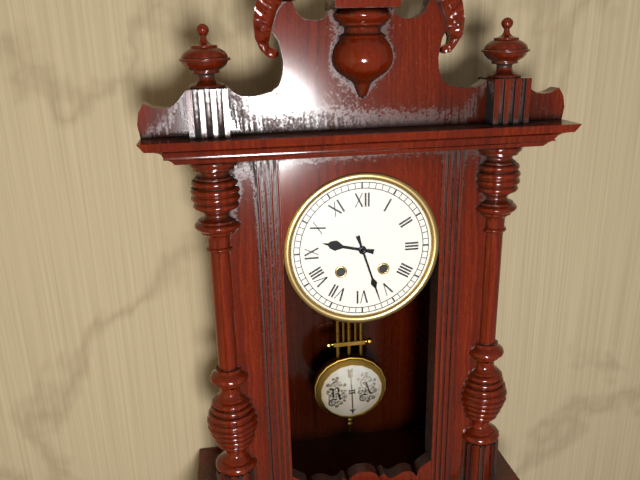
**9:27**
